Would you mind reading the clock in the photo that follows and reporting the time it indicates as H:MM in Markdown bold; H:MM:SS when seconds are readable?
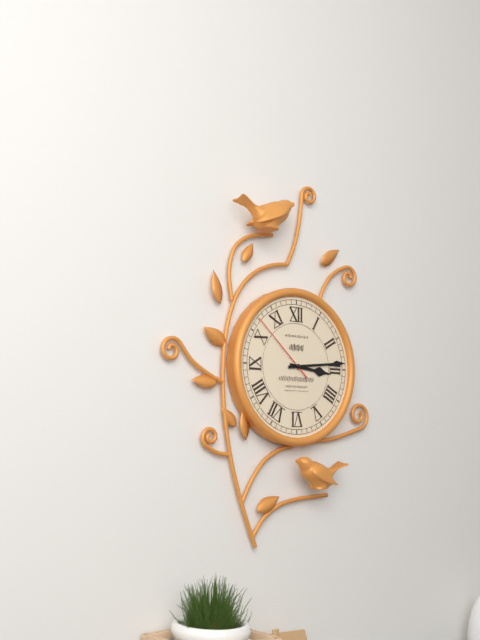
**3:14:52**
